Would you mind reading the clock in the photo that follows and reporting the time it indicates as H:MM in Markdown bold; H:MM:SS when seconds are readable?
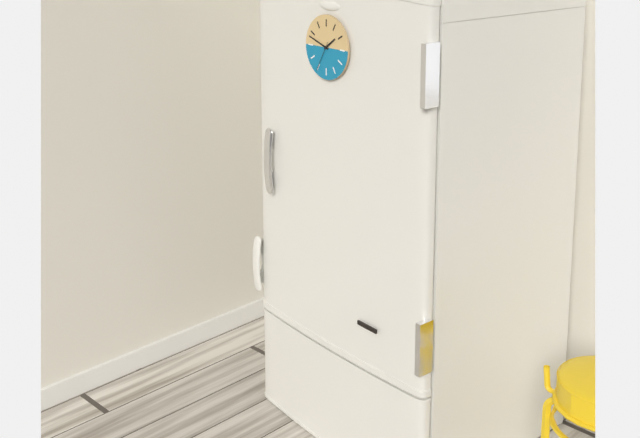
**1:48**
